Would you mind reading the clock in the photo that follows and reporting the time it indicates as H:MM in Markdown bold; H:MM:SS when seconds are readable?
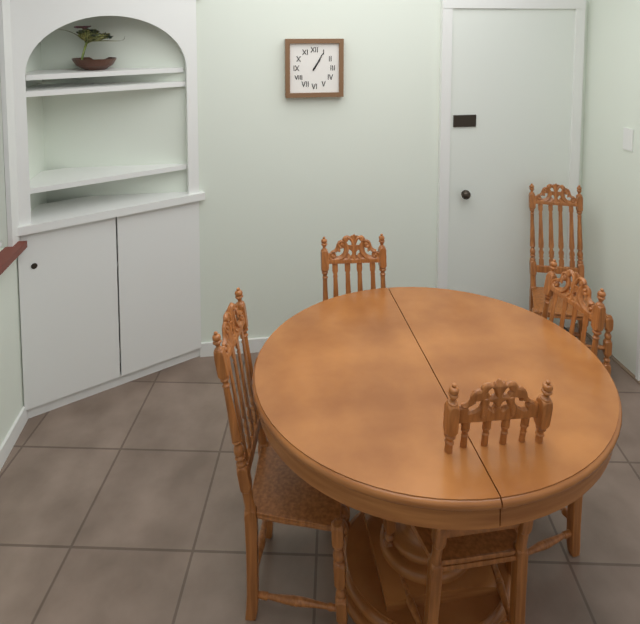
**1:05**
